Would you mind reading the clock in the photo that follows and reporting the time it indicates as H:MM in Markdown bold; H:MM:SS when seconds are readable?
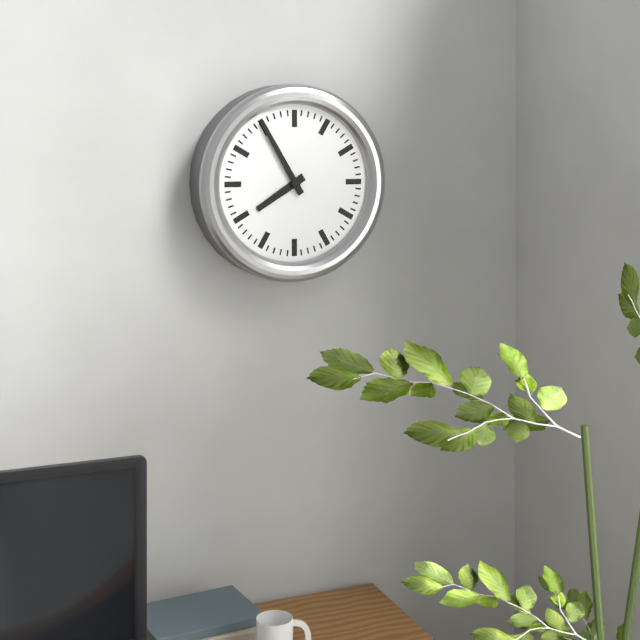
**7:55**
